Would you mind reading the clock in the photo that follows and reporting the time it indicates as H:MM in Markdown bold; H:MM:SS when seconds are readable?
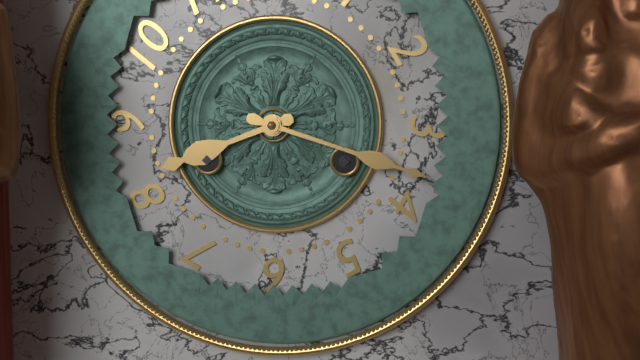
**8:18**
